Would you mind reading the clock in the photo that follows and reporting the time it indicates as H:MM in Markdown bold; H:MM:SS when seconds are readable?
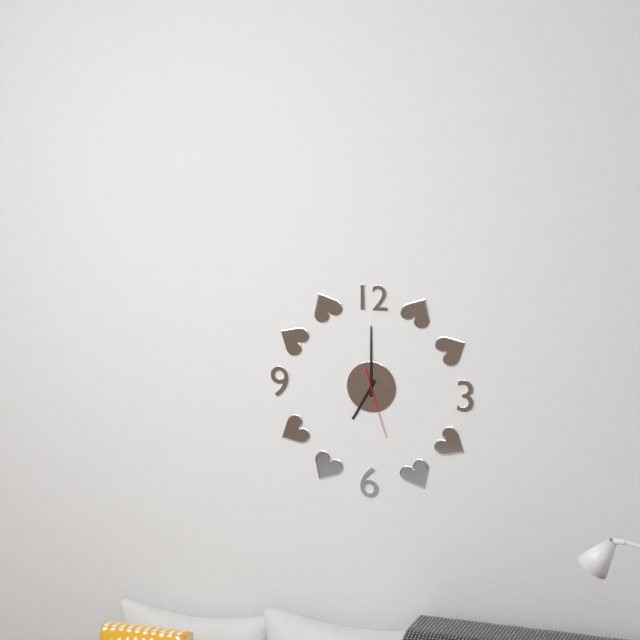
**7:00:27**
